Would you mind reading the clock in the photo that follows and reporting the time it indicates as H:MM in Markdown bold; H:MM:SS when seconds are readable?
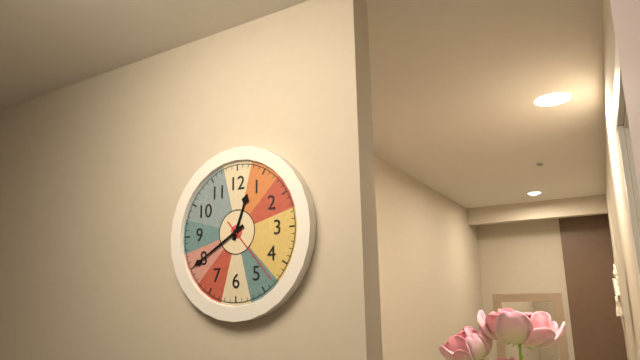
**12:40:23**
